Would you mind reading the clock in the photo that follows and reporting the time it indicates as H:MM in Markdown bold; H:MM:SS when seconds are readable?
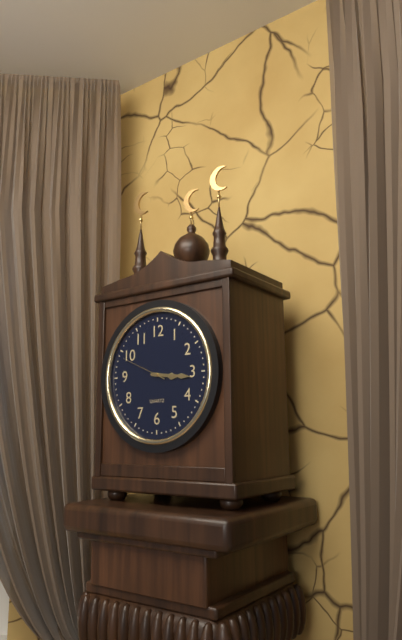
**3:16**
